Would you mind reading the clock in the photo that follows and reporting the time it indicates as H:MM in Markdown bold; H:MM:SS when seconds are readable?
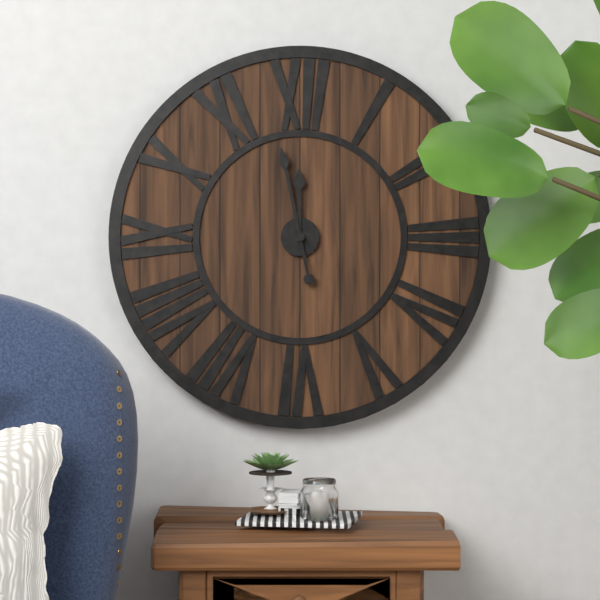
**11:58**
